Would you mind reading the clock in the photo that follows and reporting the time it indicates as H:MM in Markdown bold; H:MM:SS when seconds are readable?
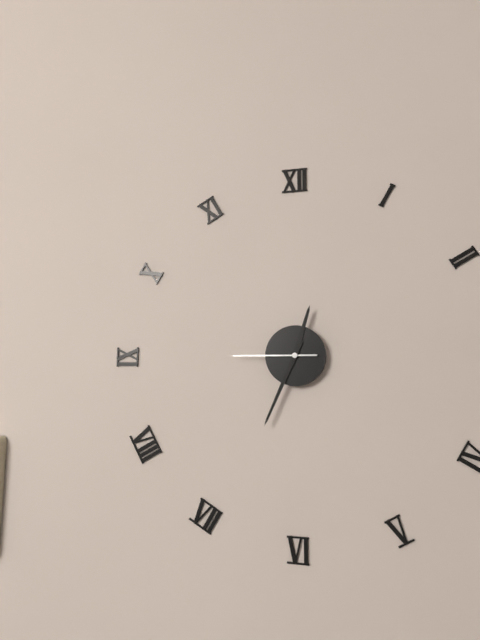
**12:34:45**
